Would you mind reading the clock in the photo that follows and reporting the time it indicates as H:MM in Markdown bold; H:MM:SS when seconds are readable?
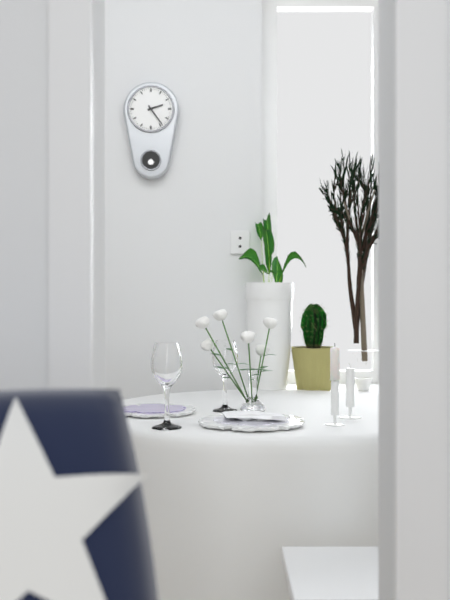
**2:24**
